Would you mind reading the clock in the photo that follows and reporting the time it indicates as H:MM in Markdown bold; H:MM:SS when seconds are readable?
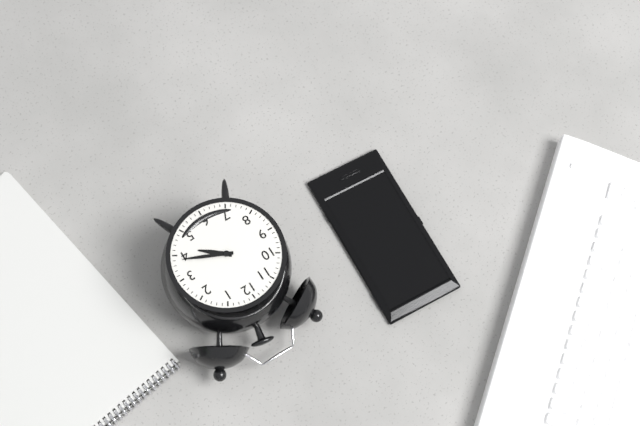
**4:19**
